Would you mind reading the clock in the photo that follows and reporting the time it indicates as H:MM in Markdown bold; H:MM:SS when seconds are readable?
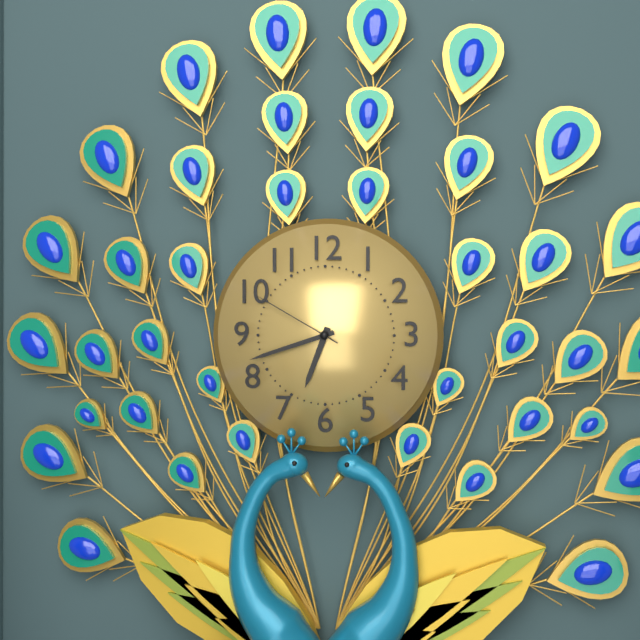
**6:42:50**
